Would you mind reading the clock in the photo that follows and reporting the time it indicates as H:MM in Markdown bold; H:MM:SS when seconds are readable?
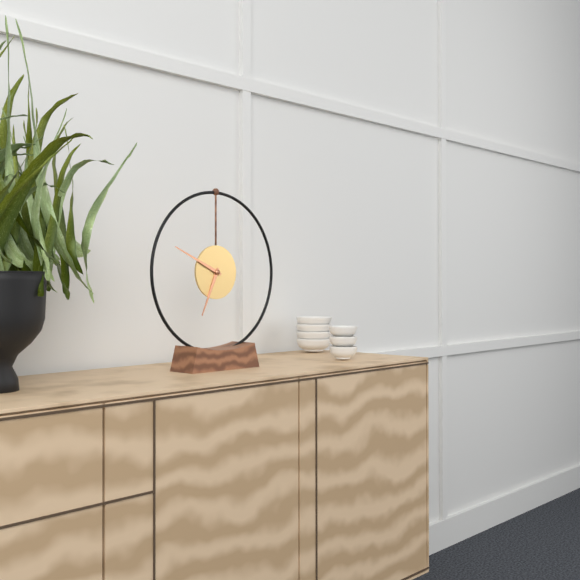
**6:49**
